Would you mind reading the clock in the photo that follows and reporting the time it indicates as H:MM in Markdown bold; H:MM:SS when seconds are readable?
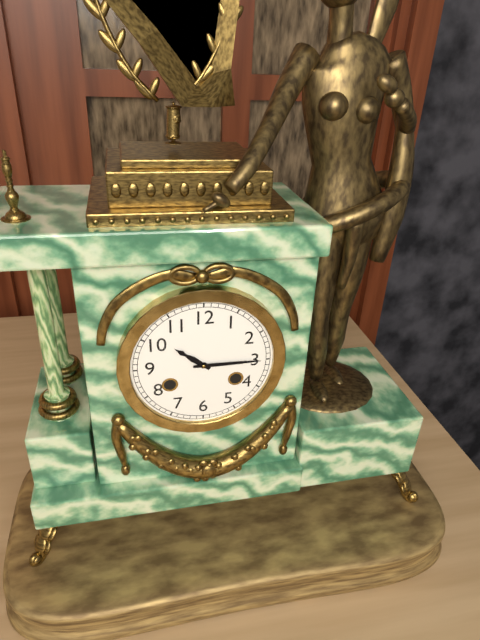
**10:15**
